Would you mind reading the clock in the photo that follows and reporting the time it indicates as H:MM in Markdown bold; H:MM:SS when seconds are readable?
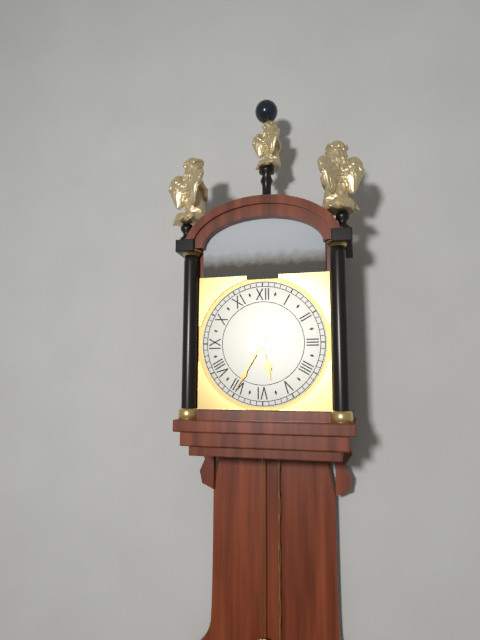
**5:35**
